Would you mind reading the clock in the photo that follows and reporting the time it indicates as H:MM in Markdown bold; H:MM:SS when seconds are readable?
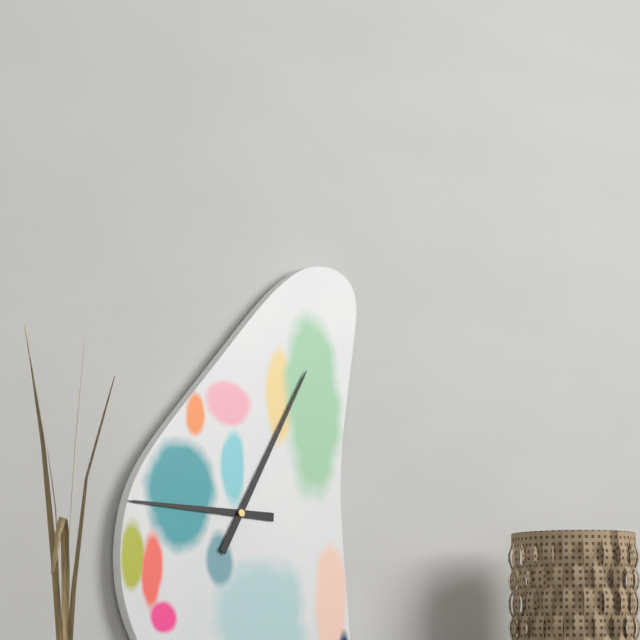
**9:05**
